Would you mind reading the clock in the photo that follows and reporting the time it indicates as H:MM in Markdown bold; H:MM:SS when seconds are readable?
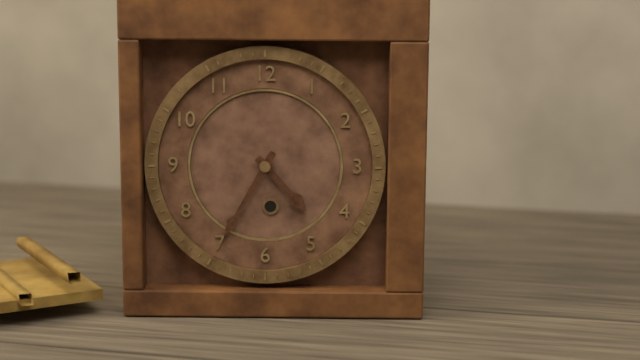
**4:35**
